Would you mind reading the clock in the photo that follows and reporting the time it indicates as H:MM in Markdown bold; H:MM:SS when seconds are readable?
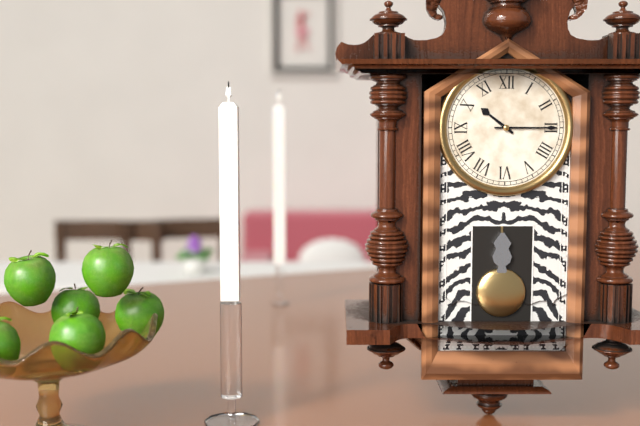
**10:15**
